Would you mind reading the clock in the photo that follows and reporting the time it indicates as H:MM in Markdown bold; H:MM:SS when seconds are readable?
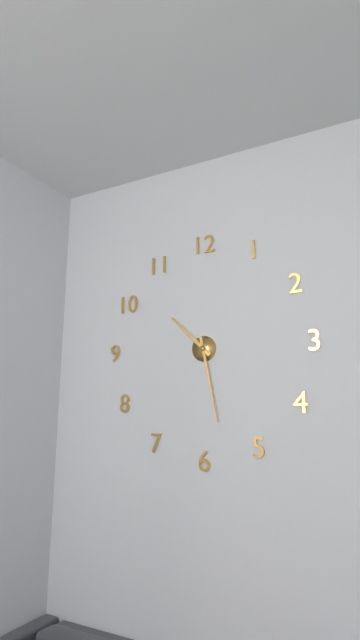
**10:28**
